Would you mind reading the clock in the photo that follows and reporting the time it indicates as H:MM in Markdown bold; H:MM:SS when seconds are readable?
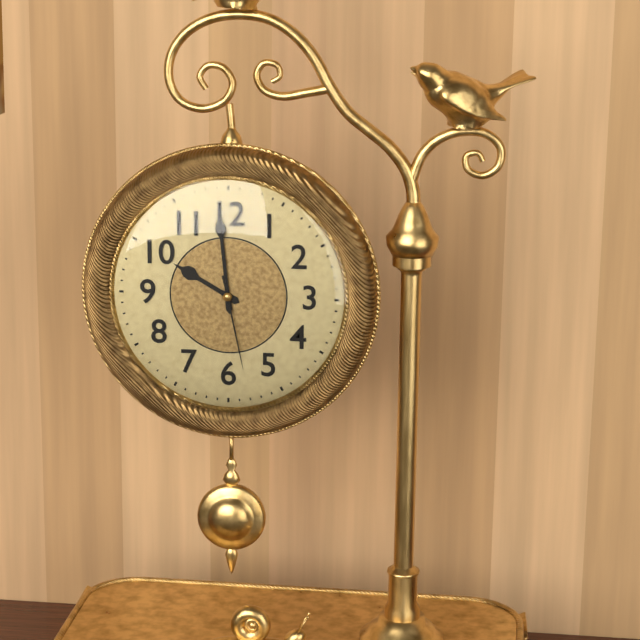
**9:59:28**
